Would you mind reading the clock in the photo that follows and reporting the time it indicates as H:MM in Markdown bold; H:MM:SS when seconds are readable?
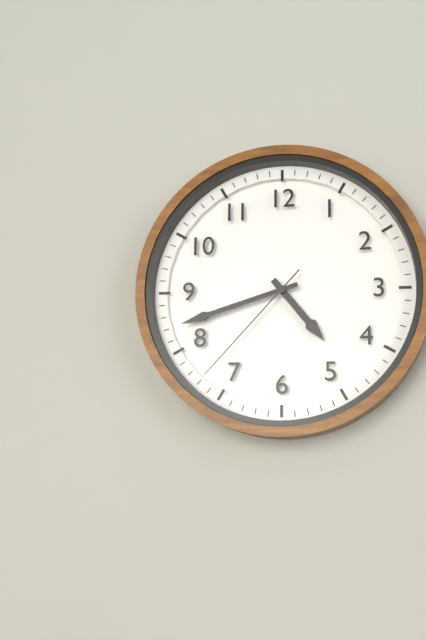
**4:42:37**
